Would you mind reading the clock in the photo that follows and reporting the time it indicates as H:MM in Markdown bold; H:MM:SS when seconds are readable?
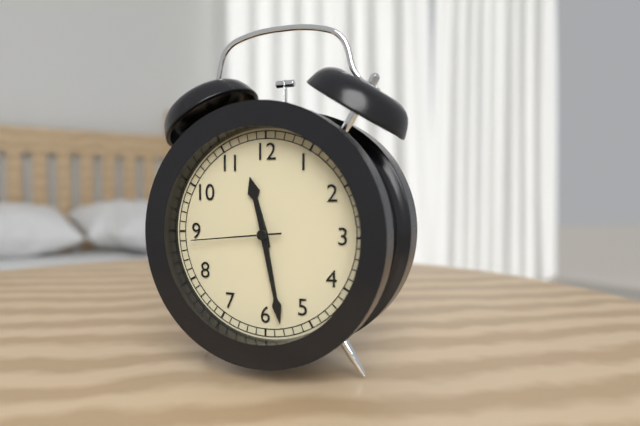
**11:28:44**
